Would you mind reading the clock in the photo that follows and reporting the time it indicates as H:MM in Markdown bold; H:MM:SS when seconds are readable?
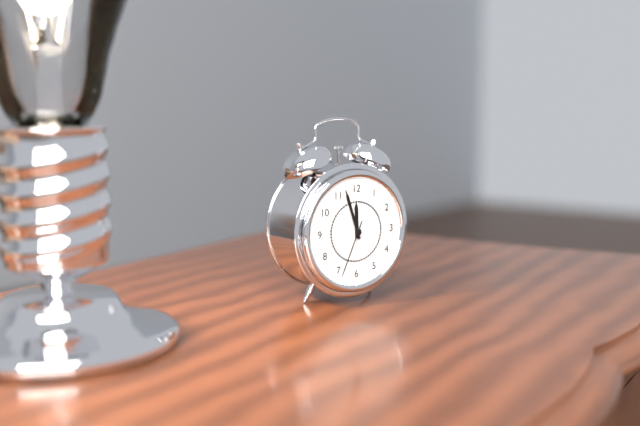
**11:57:34**
